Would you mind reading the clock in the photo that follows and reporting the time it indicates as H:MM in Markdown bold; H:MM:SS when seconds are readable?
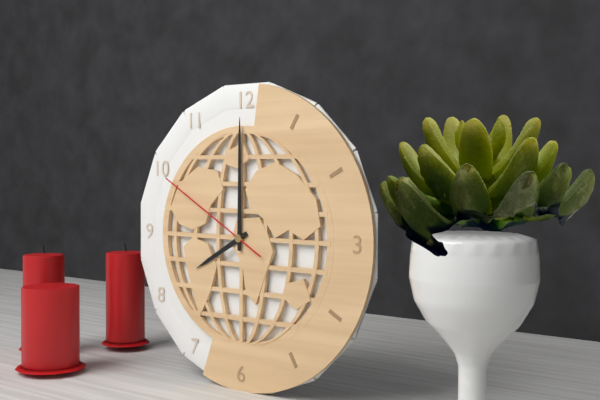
**8:00:50**
